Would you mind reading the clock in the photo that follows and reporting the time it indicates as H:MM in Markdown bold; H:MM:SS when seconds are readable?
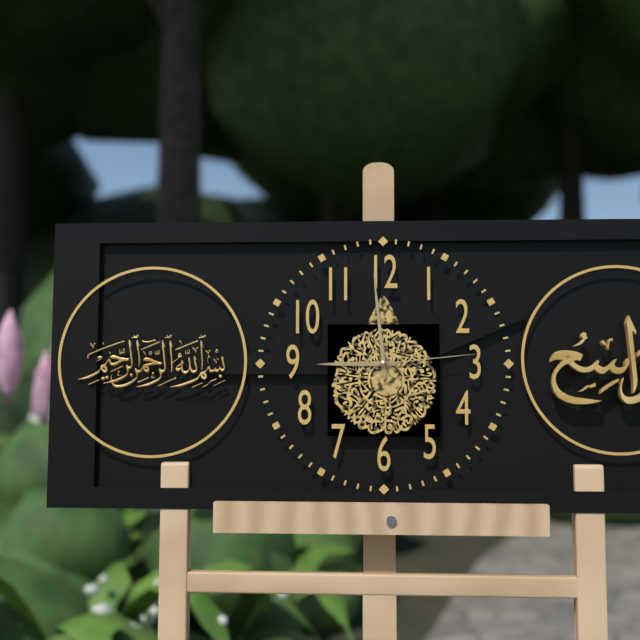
**8:59:14**
